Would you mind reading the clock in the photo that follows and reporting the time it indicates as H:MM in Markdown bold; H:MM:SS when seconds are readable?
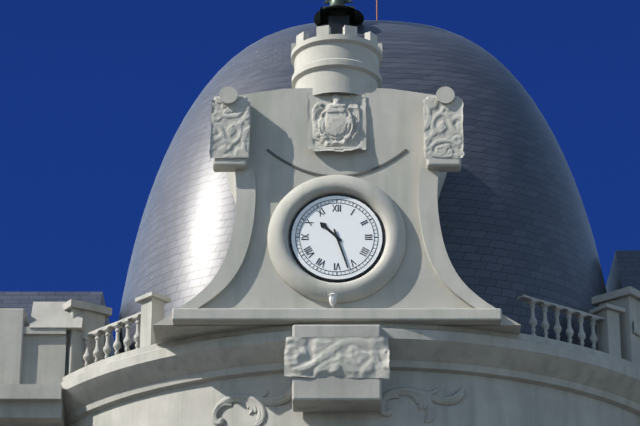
**10:27**
